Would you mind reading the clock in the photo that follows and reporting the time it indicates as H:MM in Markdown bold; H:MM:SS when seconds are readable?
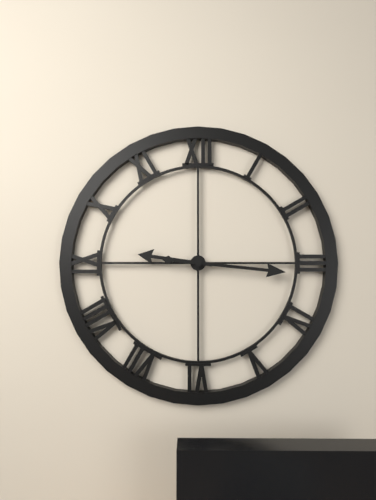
**9:16**
